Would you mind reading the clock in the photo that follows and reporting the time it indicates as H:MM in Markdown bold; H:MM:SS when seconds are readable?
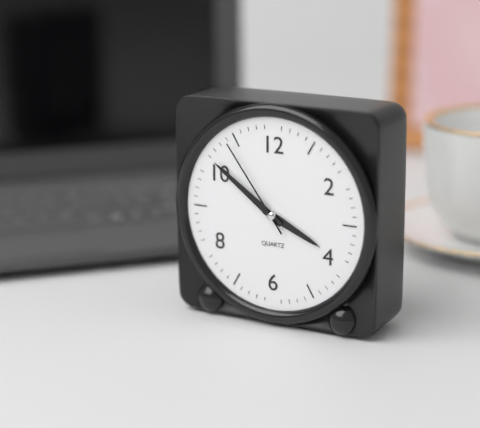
**3:51:54**
